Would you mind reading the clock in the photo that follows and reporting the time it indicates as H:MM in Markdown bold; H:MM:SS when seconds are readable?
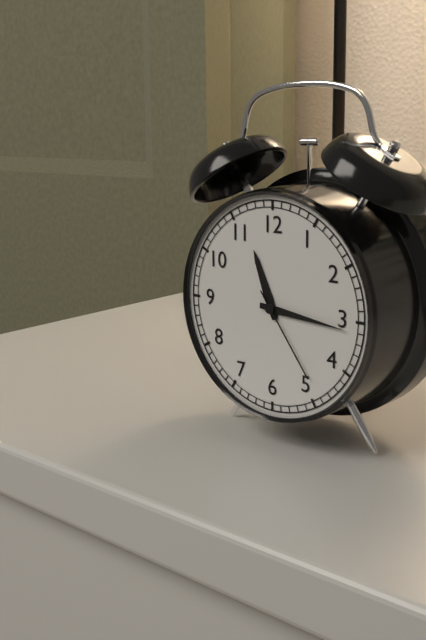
**11:16:24**
